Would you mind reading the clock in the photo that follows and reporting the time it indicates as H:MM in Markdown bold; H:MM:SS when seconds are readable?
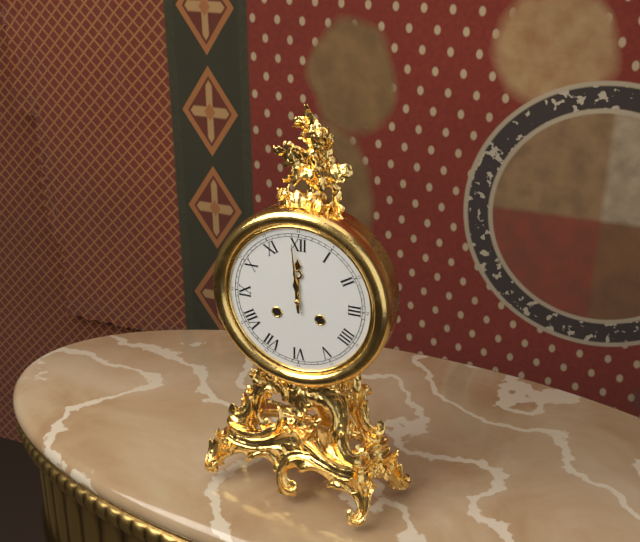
**11:59**
